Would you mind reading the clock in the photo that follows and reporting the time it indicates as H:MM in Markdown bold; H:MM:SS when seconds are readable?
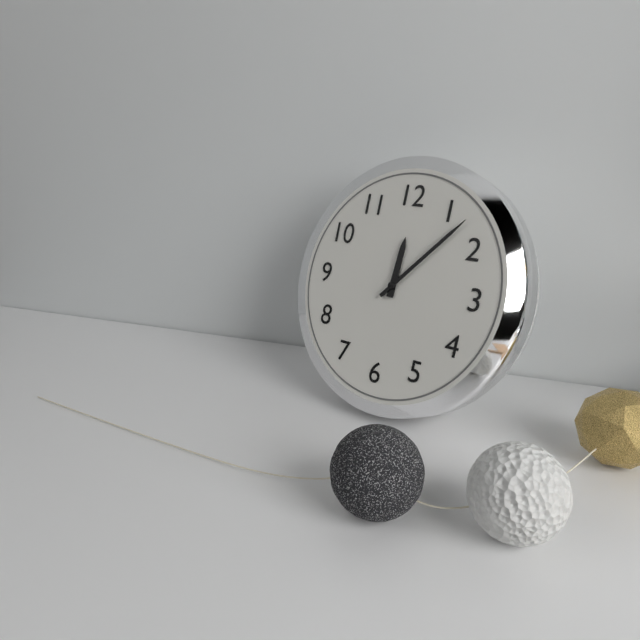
**12:07**
